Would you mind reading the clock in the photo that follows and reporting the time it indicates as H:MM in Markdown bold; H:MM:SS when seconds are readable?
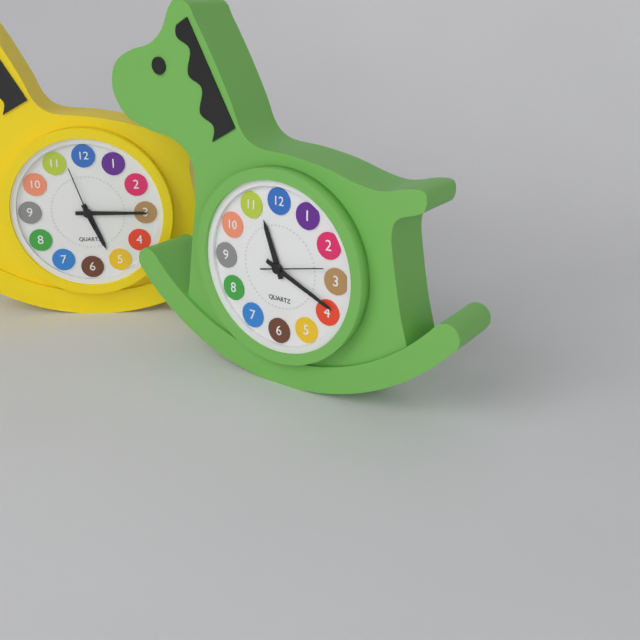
**11:19:13**
